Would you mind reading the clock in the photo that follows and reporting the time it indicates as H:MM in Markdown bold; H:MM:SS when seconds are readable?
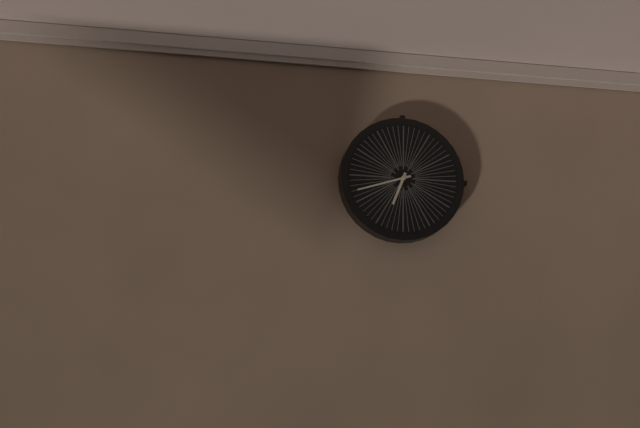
**6:42**
